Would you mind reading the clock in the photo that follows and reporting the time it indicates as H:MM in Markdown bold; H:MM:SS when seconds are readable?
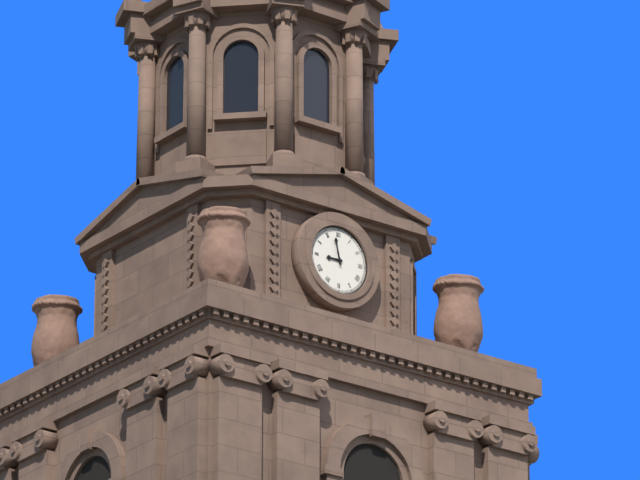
**8:58**
